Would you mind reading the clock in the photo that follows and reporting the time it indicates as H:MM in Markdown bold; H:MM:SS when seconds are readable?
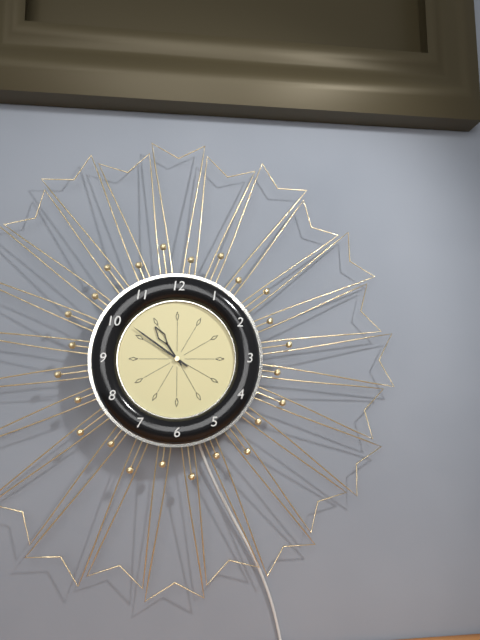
**10:51**
